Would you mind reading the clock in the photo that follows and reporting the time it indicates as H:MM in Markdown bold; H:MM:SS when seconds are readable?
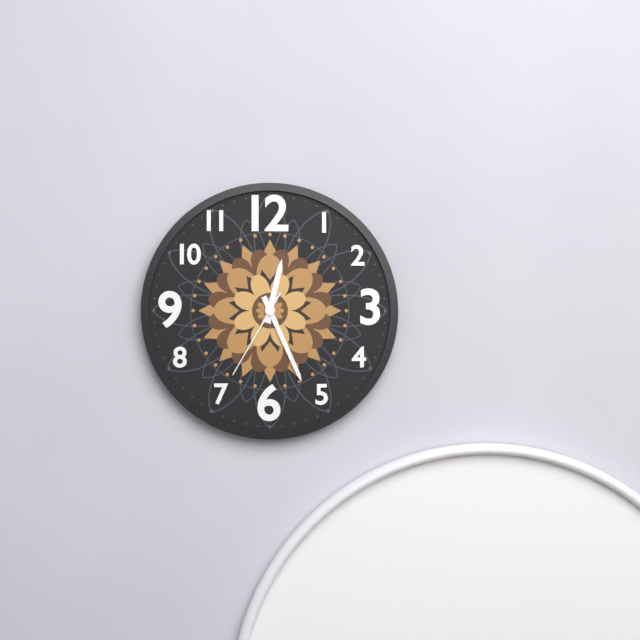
**12:26:35**
